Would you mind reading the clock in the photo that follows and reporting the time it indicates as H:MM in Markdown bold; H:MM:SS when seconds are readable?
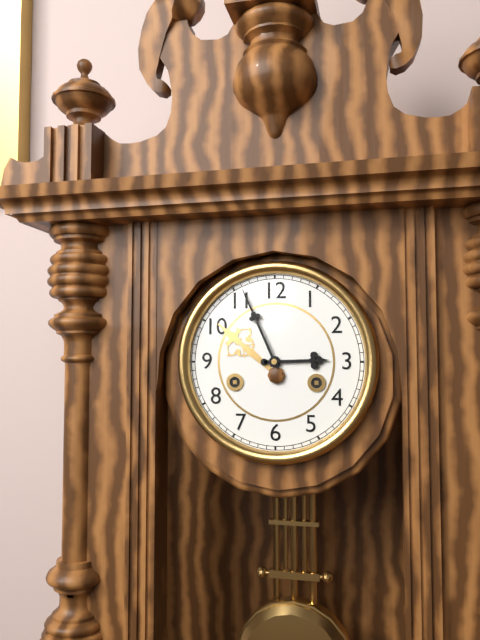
**2:56**
